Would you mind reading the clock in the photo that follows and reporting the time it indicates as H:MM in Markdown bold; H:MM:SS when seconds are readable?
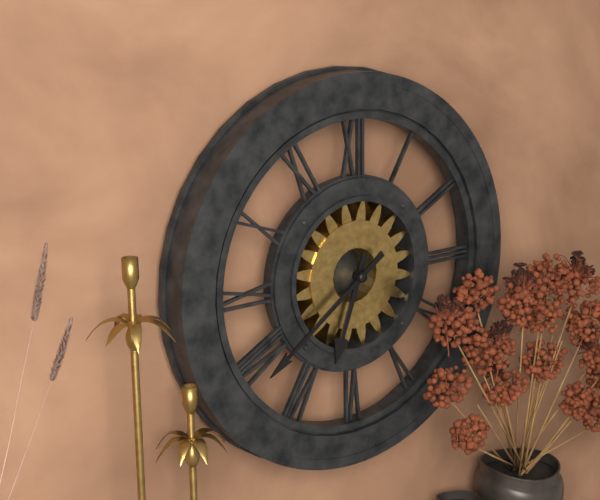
**6:39**
